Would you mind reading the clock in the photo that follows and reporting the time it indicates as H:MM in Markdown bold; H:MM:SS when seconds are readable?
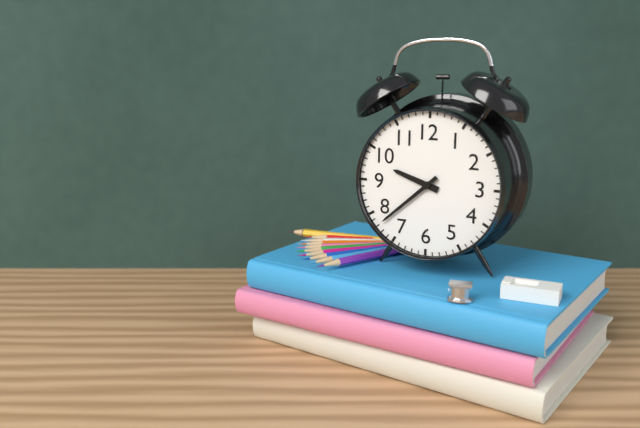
**9:38**
